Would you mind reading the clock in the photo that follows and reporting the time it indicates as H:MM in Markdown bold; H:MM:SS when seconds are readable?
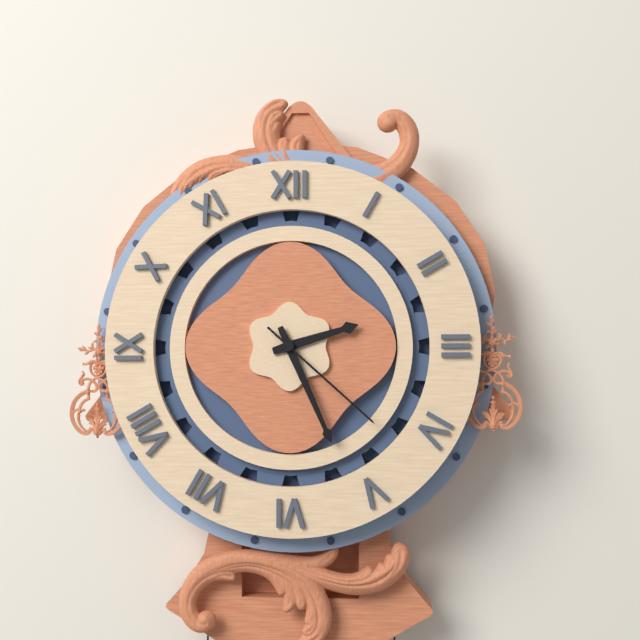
**2:26:22**
